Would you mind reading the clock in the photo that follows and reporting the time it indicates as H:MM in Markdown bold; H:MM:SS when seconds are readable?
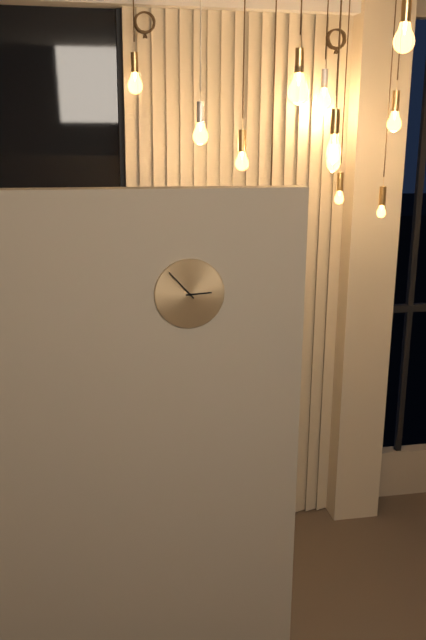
**2:53**
